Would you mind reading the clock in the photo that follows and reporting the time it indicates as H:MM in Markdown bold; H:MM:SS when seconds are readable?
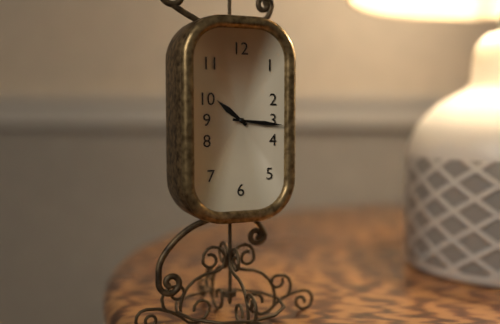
**10:16**
